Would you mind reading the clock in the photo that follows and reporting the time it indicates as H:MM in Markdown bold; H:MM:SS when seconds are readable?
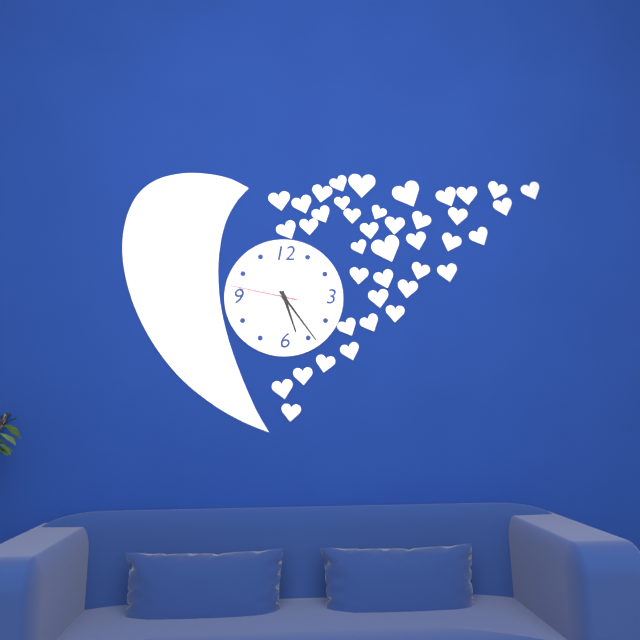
**5:24:47**
